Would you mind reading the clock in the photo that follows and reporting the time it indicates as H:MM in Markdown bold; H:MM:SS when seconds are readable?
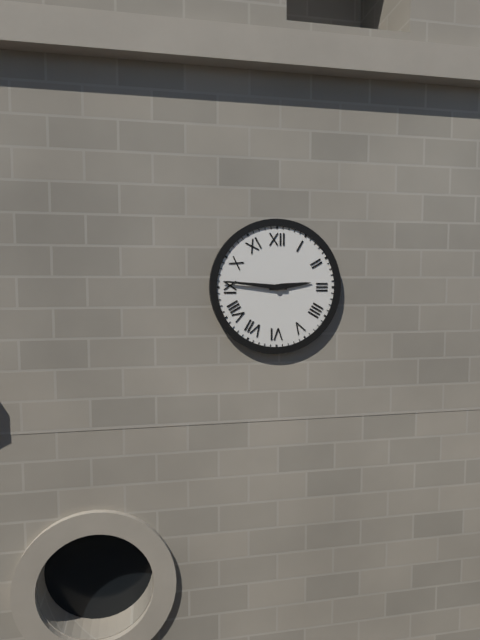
**2:46**
